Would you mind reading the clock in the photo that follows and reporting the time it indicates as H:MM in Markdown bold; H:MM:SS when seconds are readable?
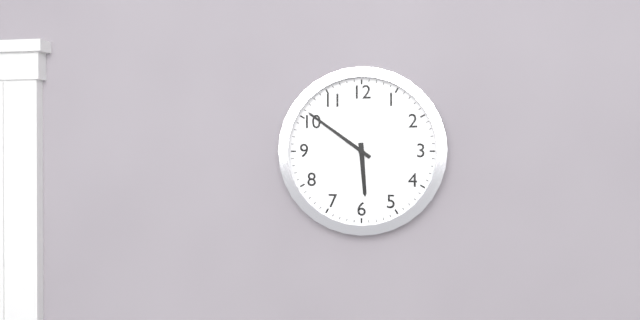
**5:51**
